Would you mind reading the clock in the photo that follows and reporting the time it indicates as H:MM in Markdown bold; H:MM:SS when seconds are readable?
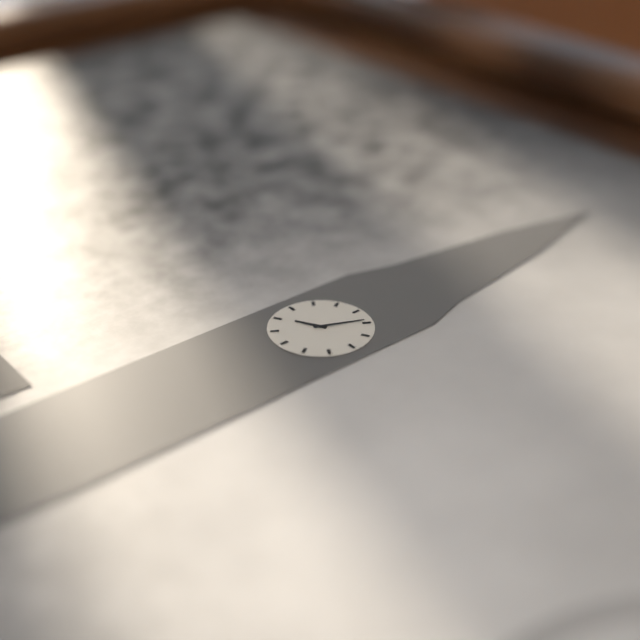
**8:04**
